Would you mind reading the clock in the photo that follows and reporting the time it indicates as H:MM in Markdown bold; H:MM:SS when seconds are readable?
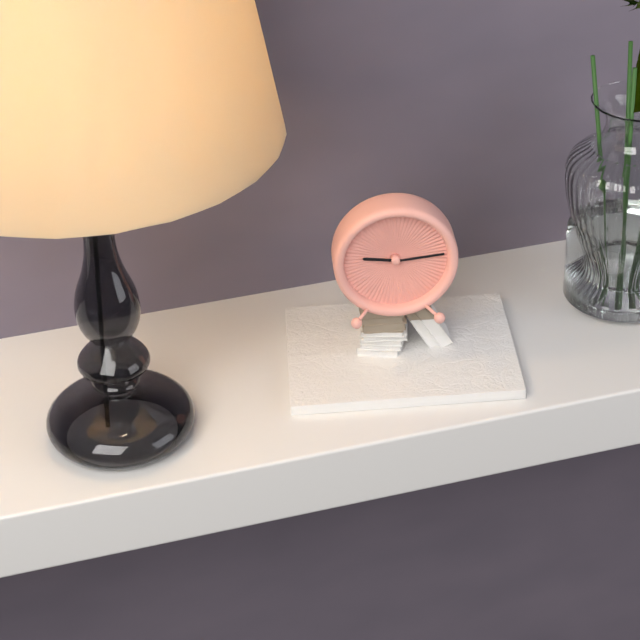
**9:14**
